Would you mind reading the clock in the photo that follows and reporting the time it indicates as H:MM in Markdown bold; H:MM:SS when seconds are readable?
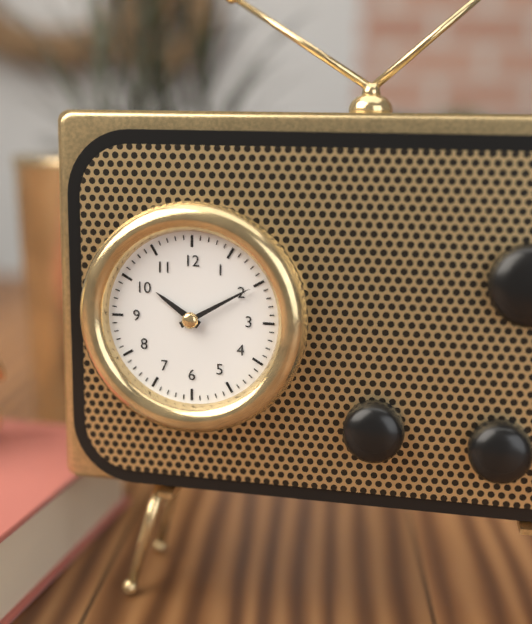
**10:10**
